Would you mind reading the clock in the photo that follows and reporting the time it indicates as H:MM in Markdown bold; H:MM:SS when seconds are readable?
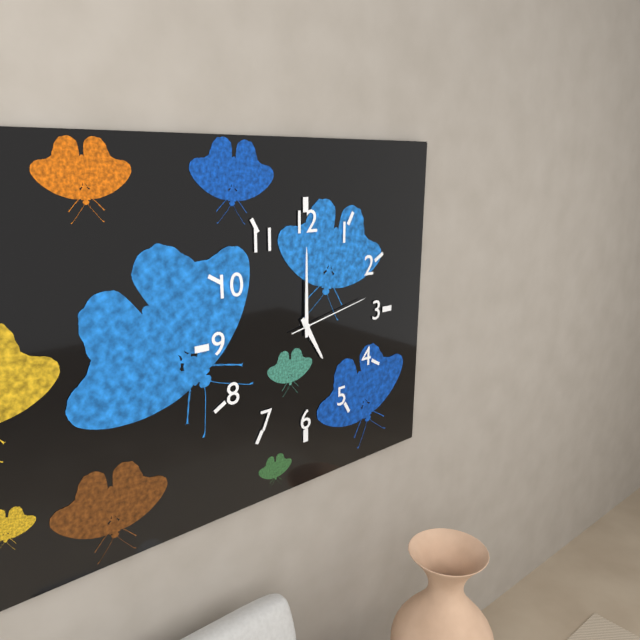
**5:00:13**
